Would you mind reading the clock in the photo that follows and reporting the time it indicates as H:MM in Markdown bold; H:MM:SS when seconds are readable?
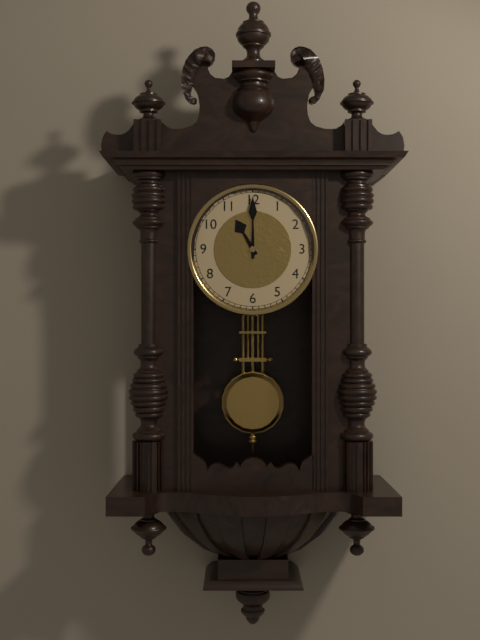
**11:00**
